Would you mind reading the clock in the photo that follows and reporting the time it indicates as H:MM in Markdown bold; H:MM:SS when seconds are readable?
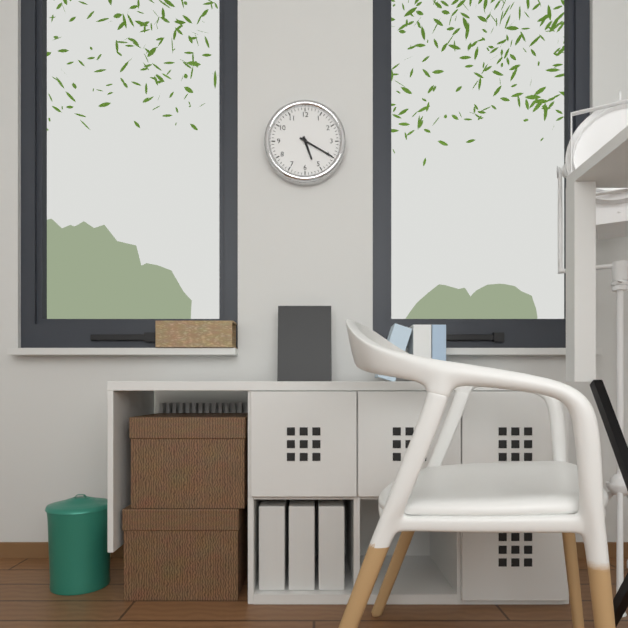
**5:20**
